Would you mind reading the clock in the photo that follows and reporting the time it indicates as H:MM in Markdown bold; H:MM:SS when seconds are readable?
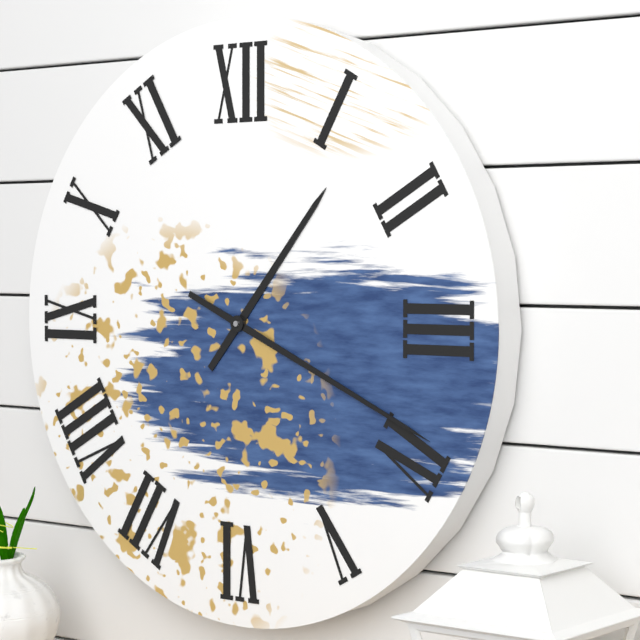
**1:19**
